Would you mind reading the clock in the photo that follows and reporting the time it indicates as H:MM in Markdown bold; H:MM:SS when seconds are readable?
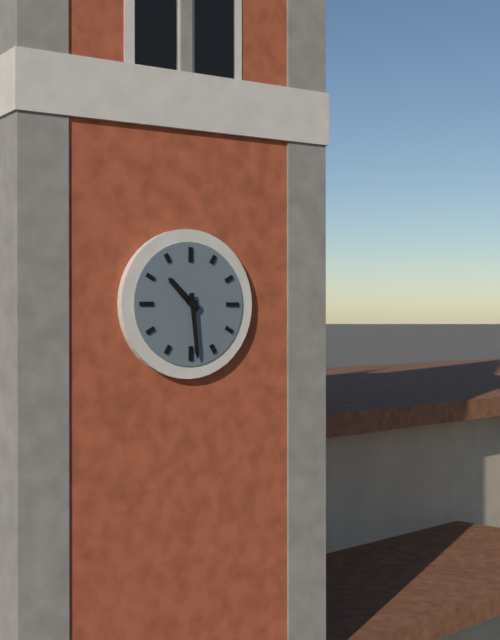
**10:29**
